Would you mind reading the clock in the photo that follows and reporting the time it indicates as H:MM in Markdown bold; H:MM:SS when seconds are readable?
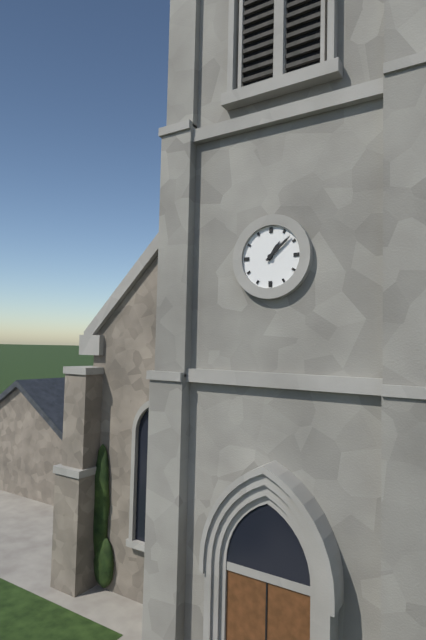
**1:08**
